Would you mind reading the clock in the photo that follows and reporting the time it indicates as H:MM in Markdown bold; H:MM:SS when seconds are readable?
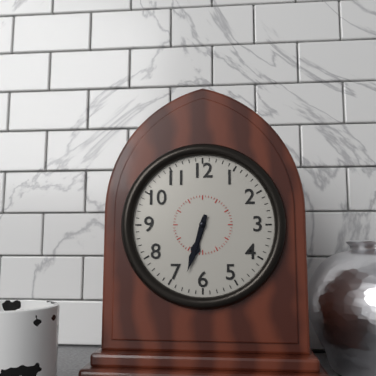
**6:33**
